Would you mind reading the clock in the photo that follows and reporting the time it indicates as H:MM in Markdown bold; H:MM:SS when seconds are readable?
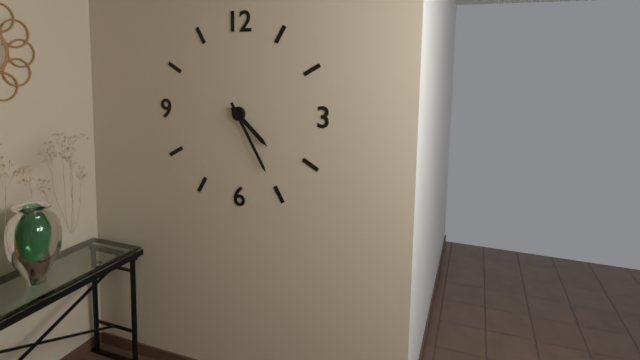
**4:25**
